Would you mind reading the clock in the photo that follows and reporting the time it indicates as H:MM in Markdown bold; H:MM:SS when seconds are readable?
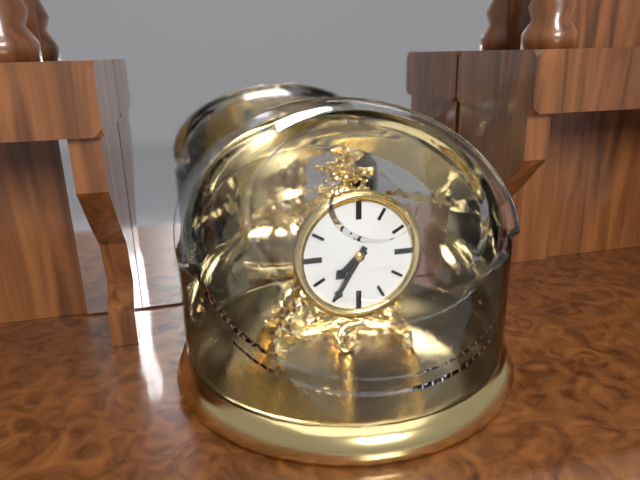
**7:35**
